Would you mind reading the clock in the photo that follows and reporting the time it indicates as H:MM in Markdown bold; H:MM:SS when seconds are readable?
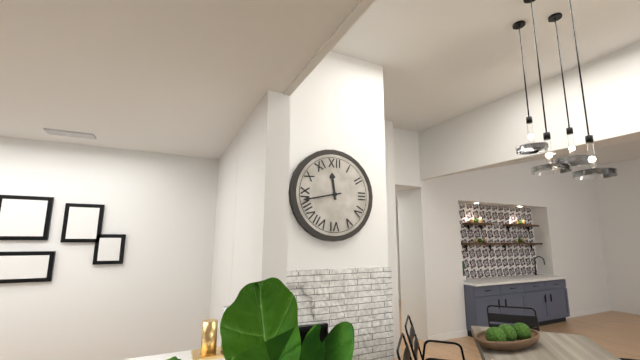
**11:43**
